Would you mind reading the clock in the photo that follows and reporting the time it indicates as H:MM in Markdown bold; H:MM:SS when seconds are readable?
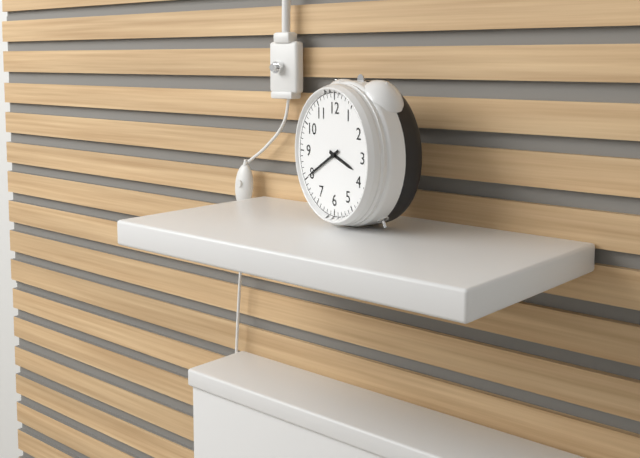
**3:40**
